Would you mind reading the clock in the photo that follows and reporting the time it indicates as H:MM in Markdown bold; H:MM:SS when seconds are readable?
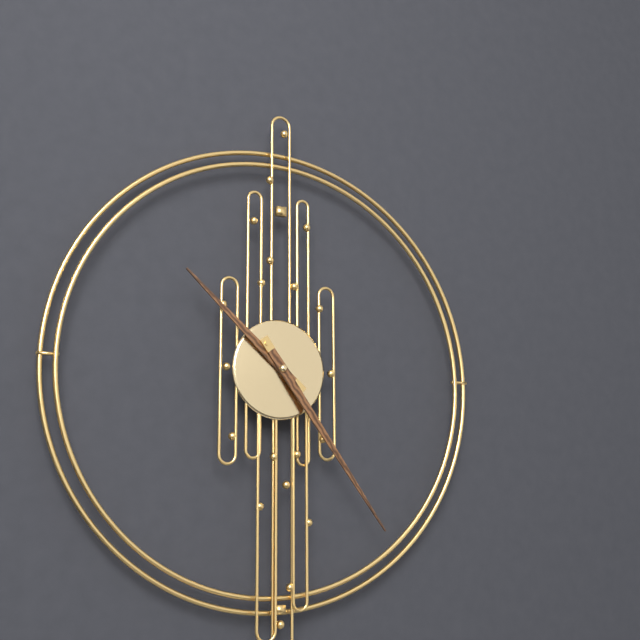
**10:24**
